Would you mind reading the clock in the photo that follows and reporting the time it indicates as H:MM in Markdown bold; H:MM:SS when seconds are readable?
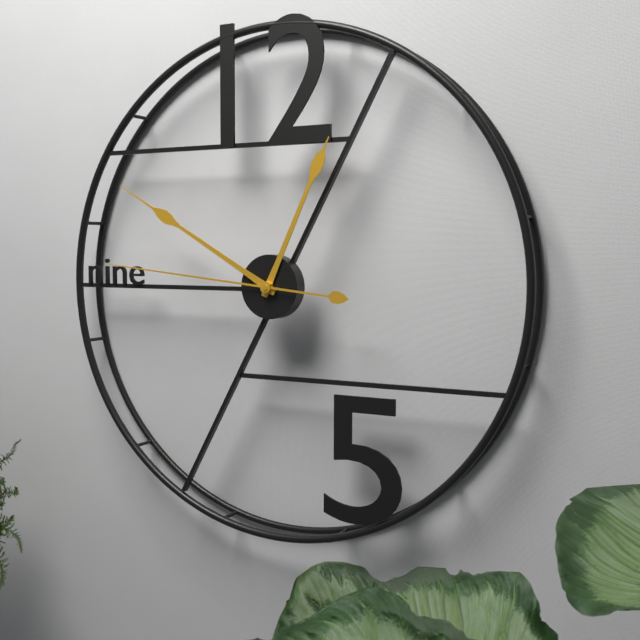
**12:50:46**
